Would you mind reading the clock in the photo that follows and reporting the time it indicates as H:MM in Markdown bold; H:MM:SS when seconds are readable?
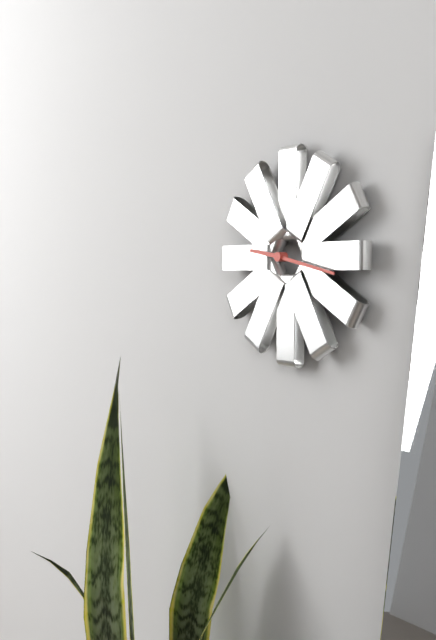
**9:17**
